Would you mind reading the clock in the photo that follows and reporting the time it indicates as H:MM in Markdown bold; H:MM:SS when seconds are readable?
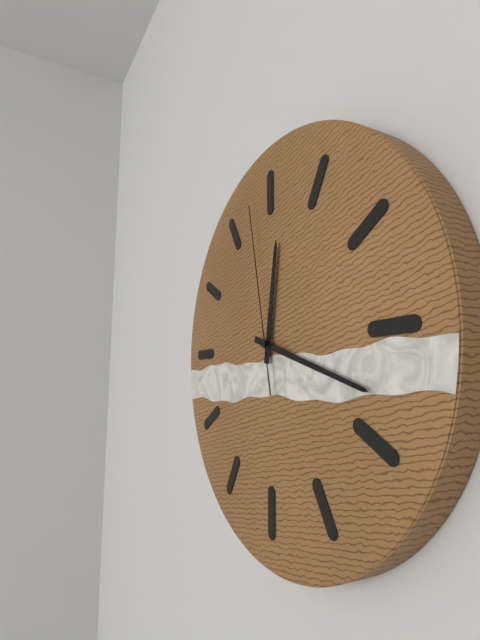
**12:18:58**
